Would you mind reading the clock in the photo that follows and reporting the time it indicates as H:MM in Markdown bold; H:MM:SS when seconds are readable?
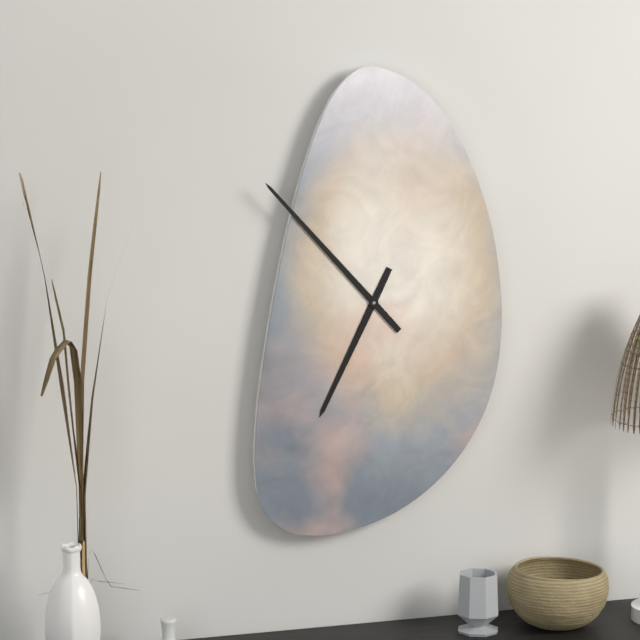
**6:53**
